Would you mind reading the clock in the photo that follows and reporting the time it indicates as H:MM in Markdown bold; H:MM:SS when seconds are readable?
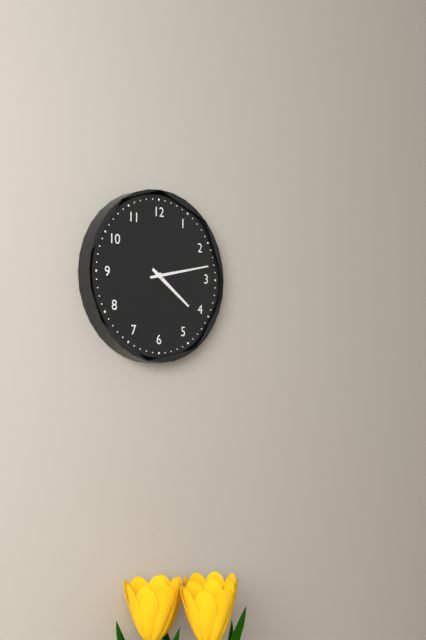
**4:13**
